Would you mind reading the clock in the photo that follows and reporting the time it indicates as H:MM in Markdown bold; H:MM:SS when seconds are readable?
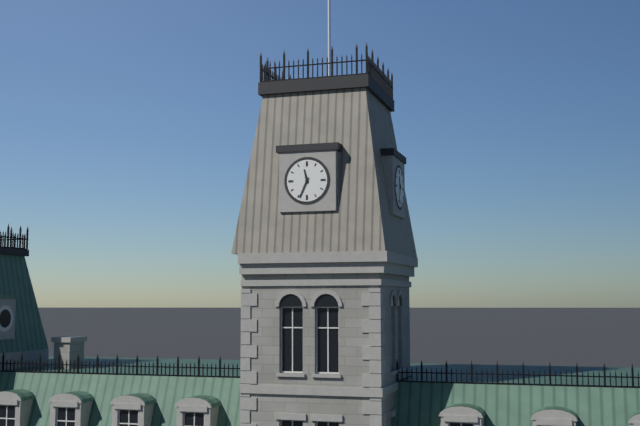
**11:34**
